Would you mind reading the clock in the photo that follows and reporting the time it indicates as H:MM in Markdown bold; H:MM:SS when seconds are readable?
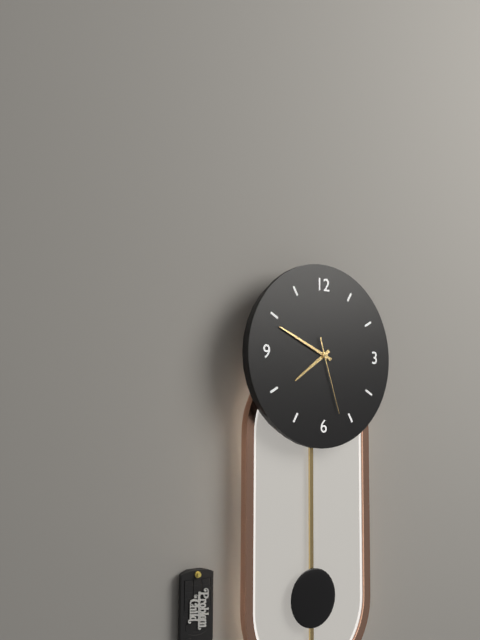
**7:49:27**
